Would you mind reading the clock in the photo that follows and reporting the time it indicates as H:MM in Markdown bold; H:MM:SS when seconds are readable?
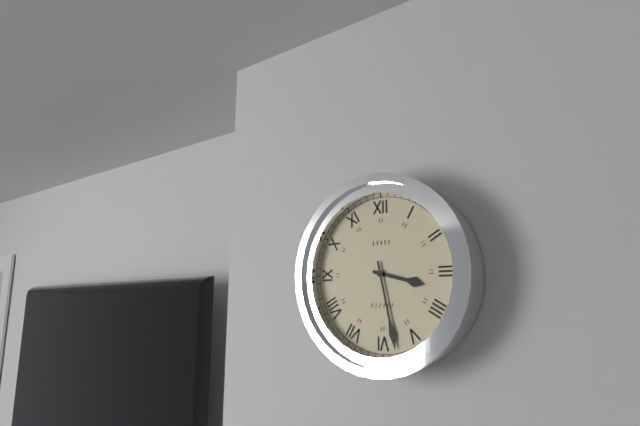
**3:28**
